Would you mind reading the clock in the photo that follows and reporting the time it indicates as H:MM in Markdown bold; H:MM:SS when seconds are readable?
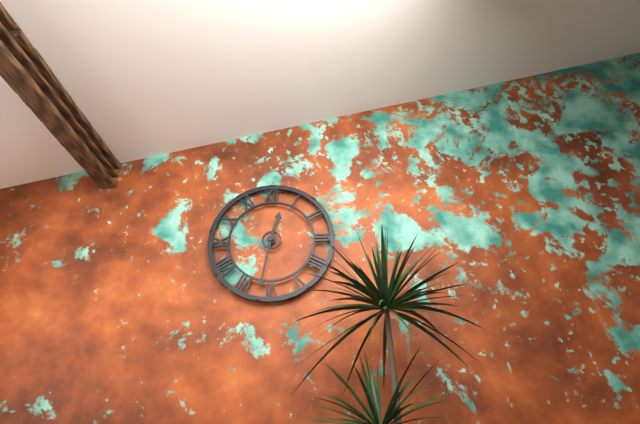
**12:32**
